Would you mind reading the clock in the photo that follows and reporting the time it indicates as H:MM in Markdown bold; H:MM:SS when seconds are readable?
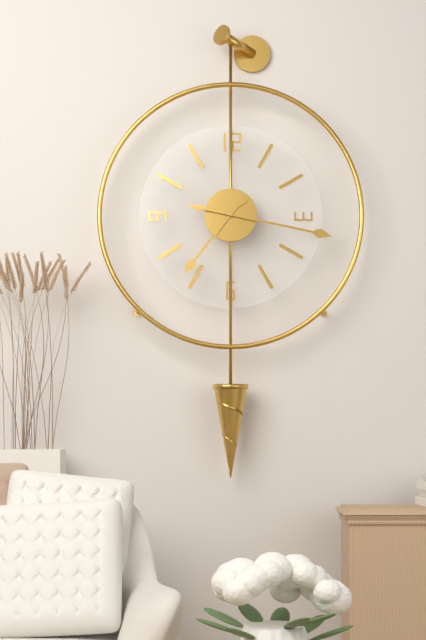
**7:17**
